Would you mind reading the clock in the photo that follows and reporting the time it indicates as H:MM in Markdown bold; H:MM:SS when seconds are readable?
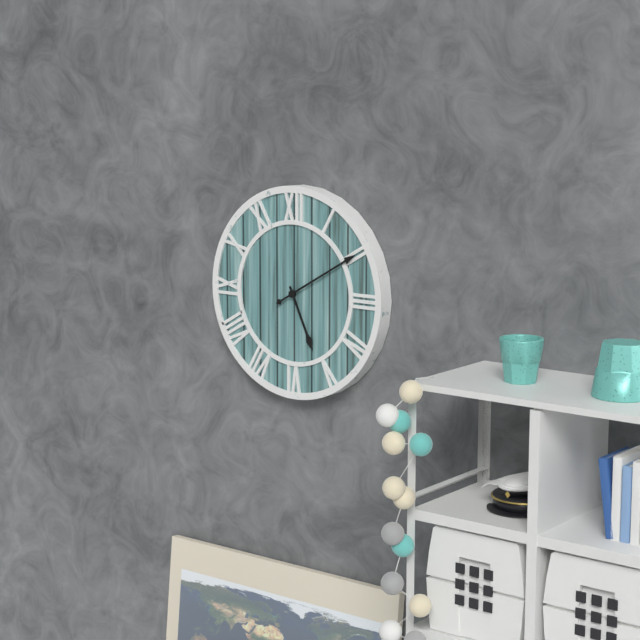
**5:10**
